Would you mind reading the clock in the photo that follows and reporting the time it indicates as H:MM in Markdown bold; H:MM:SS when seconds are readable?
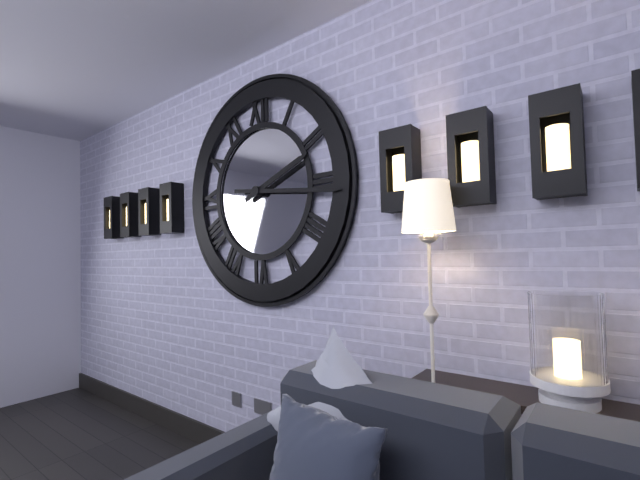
**2:16**
